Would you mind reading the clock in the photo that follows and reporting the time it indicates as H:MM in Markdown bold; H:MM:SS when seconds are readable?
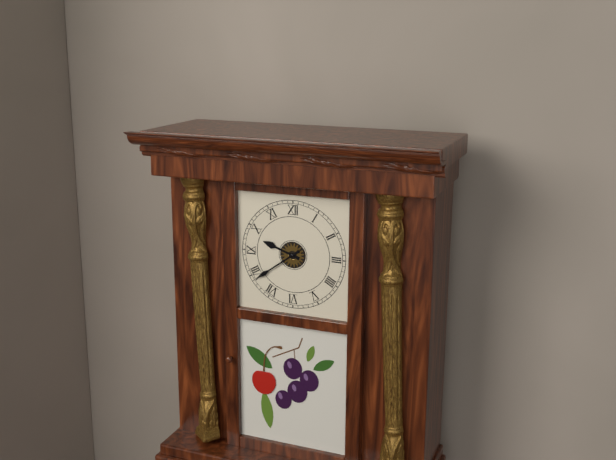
**9:39**
